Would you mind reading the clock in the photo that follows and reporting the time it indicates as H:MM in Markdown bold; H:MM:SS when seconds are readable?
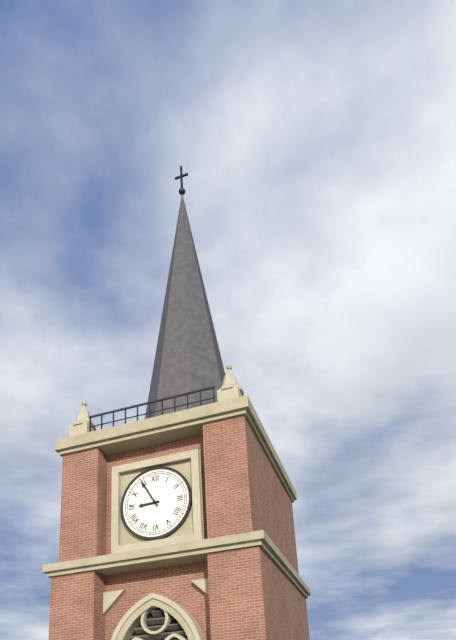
**8:55**
